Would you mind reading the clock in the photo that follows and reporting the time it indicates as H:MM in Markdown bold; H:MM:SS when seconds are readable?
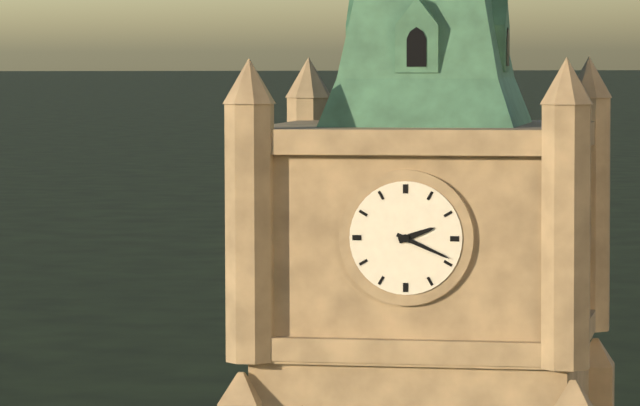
**2:19**
